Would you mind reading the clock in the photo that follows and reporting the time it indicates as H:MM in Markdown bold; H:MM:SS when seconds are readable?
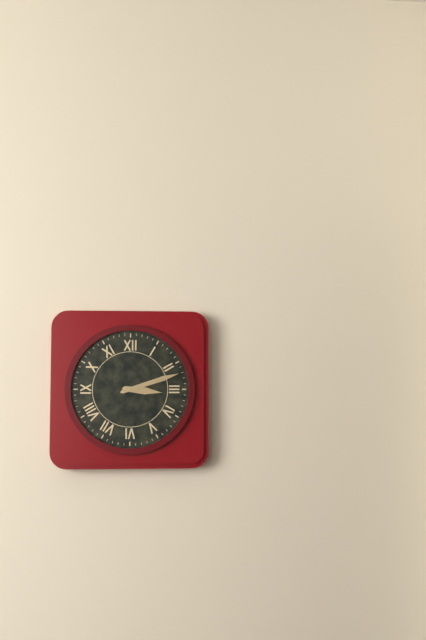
**3:12**
